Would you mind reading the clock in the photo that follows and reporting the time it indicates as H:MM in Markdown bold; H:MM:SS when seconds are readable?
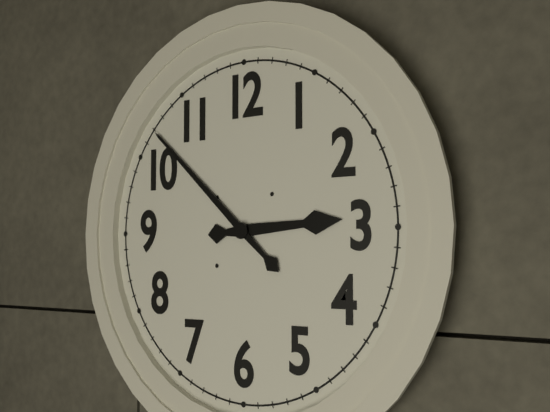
**2:52**
